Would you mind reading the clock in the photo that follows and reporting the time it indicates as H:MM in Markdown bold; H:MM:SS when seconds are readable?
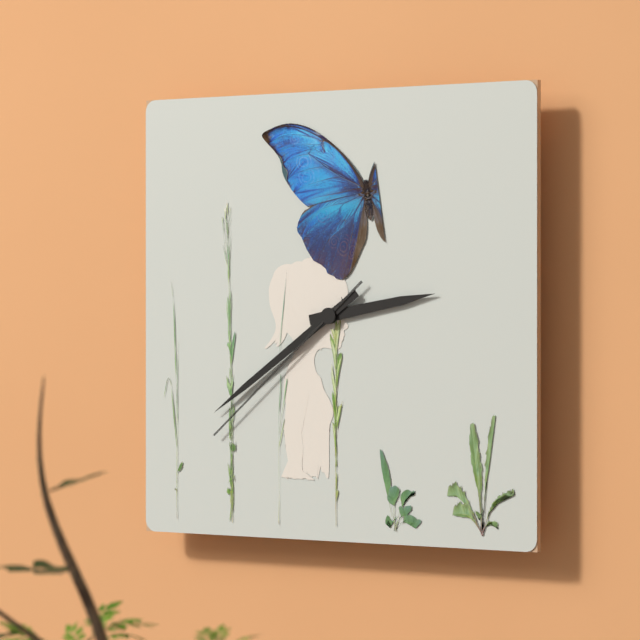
**2:39:38**
